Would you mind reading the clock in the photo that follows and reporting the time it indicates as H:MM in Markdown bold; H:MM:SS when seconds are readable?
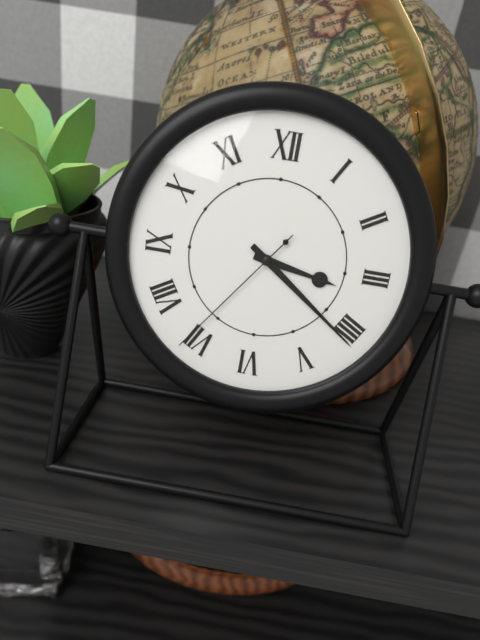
**3:21:36**
